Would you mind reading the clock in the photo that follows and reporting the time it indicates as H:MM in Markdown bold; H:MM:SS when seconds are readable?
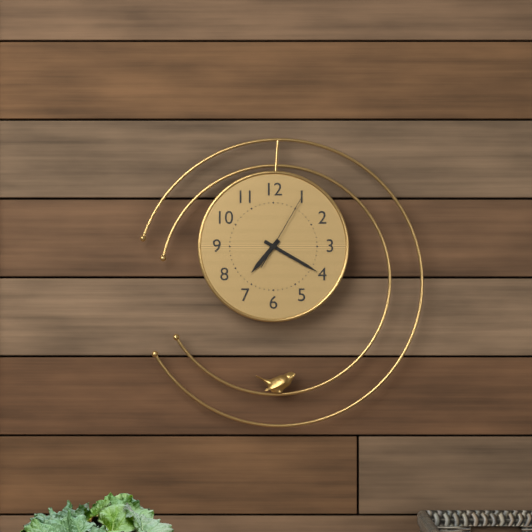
**7:20:05**
